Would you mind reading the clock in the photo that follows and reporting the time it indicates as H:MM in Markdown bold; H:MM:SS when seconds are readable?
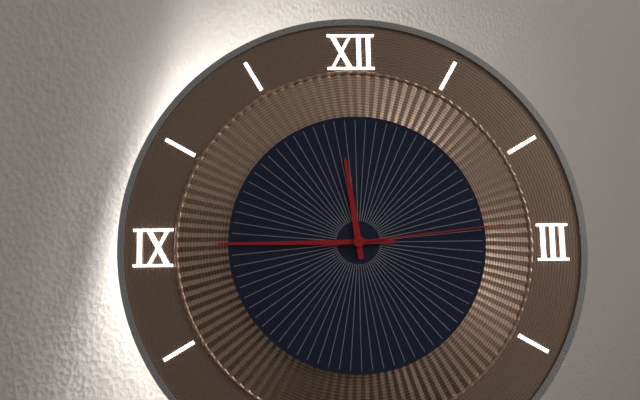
**11:45:14**
